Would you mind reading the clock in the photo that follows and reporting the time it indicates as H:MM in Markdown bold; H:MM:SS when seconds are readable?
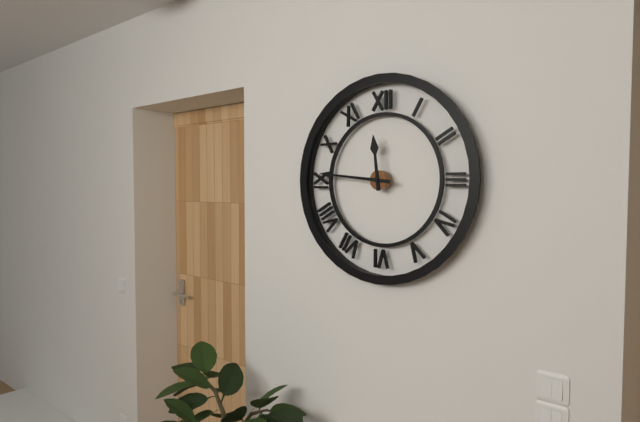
**11:46**
